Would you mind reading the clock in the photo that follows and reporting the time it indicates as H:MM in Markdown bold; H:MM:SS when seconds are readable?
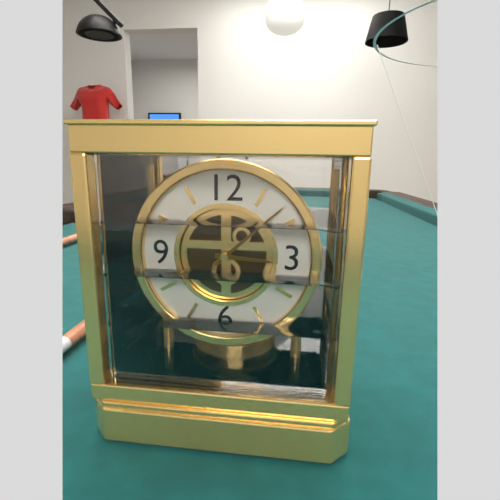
**3:08**
